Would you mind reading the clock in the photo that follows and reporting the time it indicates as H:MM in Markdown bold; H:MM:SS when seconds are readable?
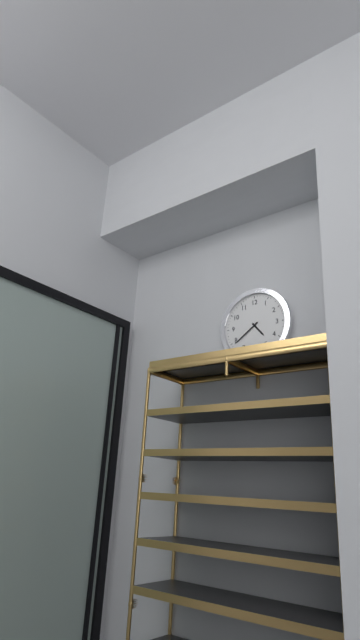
**4:39**
